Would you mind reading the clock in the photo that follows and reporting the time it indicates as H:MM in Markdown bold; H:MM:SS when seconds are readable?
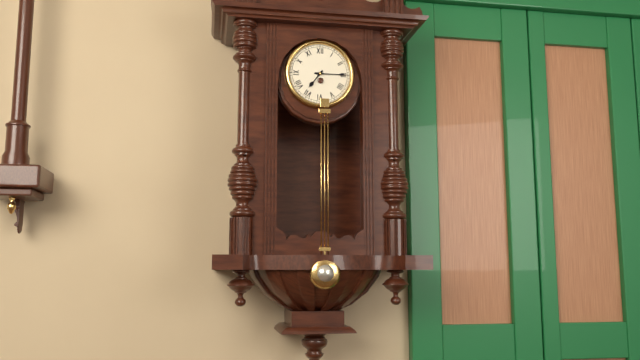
**7:15**
